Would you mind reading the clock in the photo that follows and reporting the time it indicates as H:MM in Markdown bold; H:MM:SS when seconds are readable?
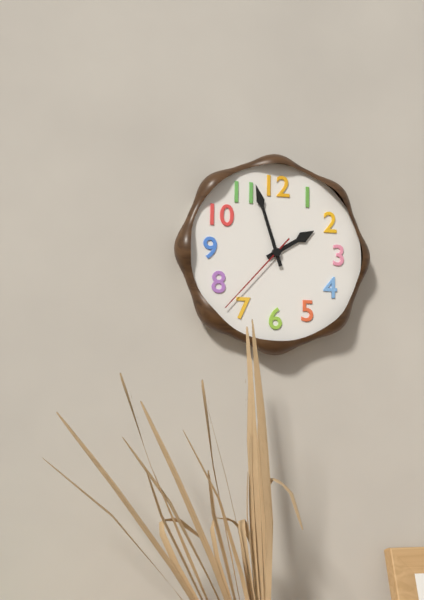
**1:57:37**
